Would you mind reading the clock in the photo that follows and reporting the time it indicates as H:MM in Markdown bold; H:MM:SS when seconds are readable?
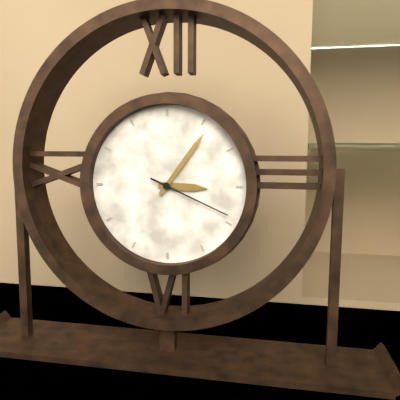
**3:06:19**
